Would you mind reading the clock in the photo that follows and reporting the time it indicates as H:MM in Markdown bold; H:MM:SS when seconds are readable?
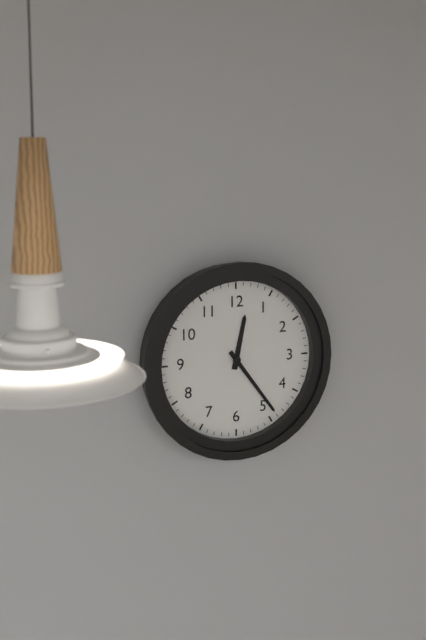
**12:24**
